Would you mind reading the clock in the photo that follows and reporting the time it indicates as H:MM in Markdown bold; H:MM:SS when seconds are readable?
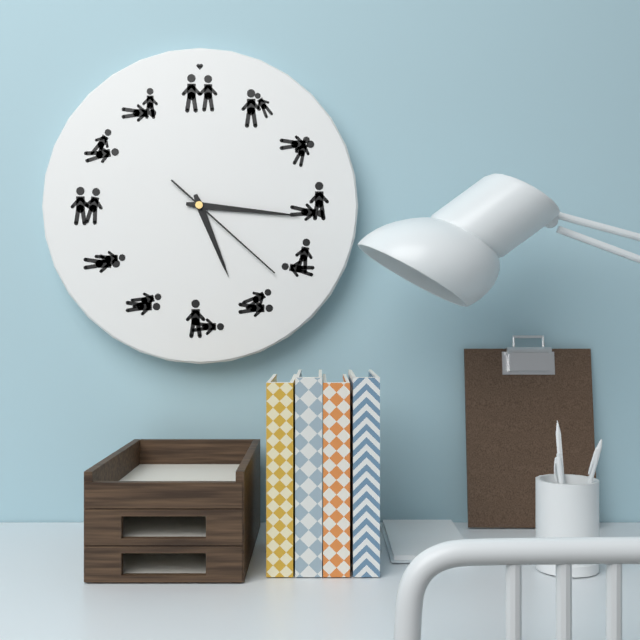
**5:16:22**
